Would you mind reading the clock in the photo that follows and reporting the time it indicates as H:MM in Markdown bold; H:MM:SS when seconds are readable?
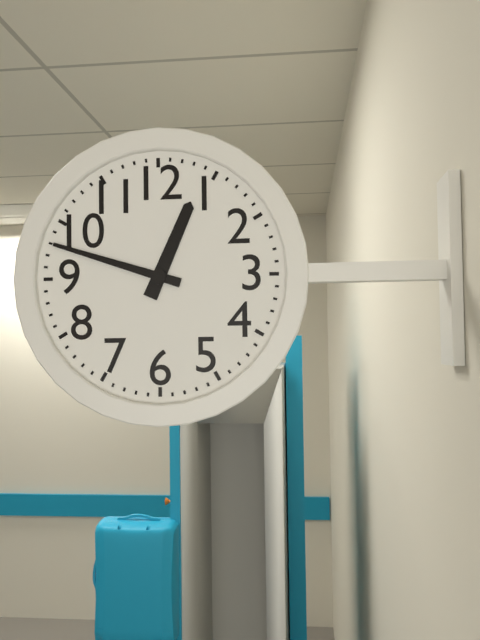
**12:48**
